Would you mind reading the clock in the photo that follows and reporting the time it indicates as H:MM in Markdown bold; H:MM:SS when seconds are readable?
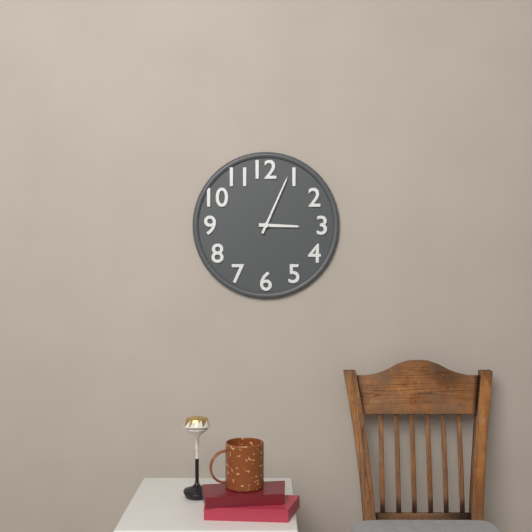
**3:04**
